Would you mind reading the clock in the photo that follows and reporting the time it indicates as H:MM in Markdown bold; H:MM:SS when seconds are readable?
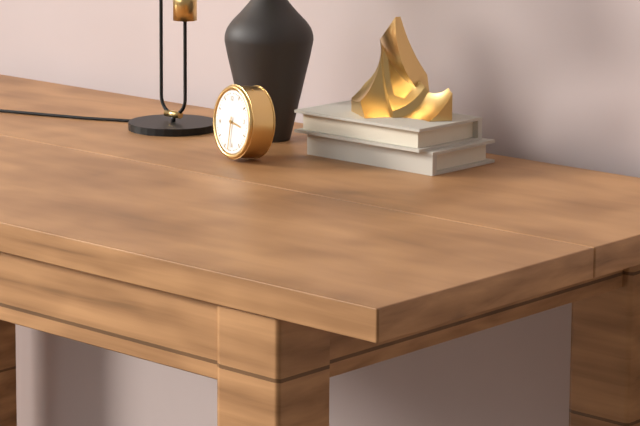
**3:32**
